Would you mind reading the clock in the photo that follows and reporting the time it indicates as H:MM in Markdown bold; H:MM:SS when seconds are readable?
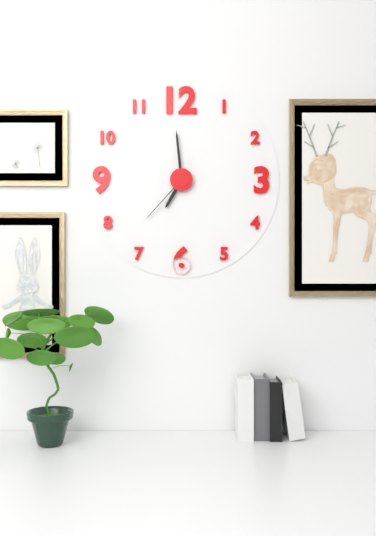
**6:59:37**
